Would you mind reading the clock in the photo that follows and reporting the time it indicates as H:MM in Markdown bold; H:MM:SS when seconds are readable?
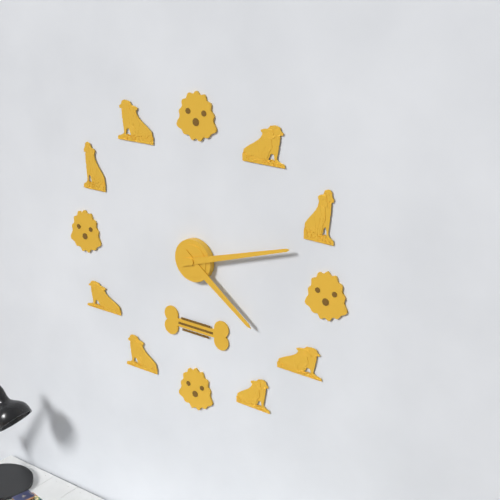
**4:12**
